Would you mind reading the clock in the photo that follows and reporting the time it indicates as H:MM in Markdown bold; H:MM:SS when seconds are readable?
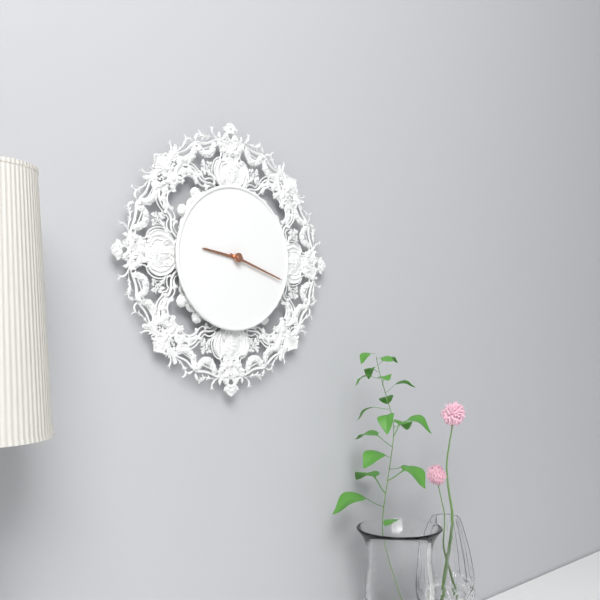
**9:18**
